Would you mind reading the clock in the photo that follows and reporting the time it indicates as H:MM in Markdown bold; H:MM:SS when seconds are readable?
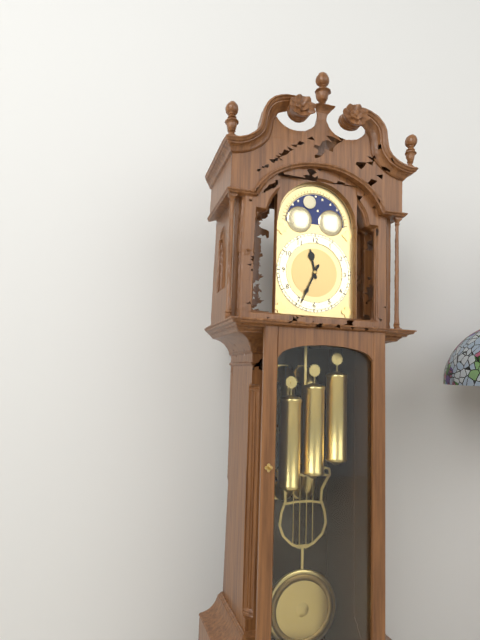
**11:34**
